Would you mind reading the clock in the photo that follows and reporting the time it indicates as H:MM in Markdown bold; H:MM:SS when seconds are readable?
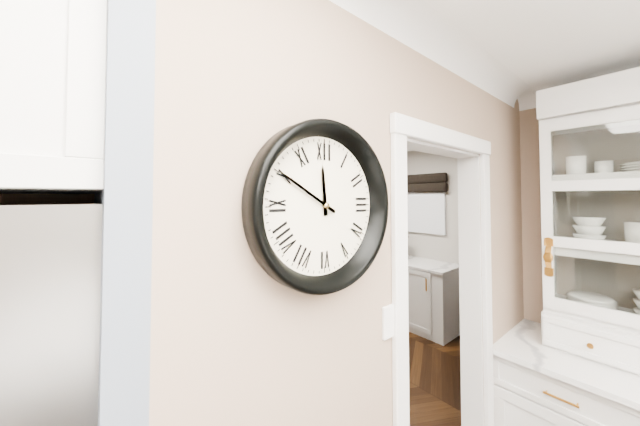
**11:50**
